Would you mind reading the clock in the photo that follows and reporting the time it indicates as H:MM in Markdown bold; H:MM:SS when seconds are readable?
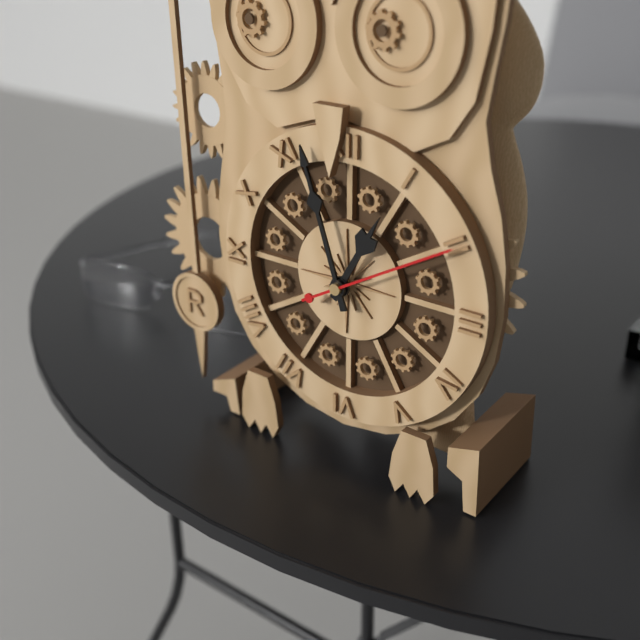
**12:57:10**
